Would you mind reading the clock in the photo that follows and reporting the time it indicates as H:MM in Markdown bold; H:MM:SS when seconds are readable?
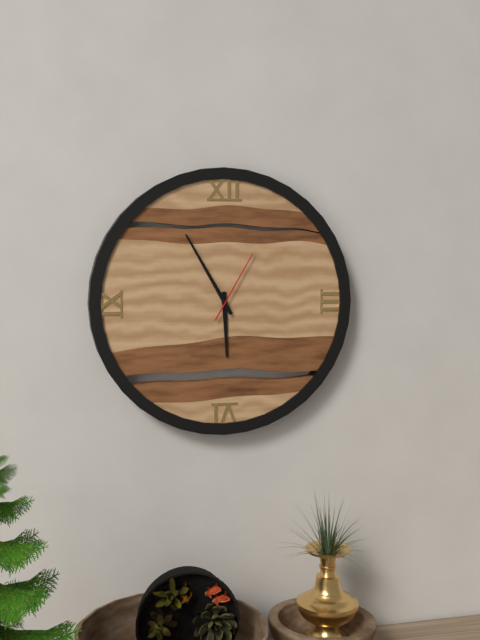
**5:55:05**
